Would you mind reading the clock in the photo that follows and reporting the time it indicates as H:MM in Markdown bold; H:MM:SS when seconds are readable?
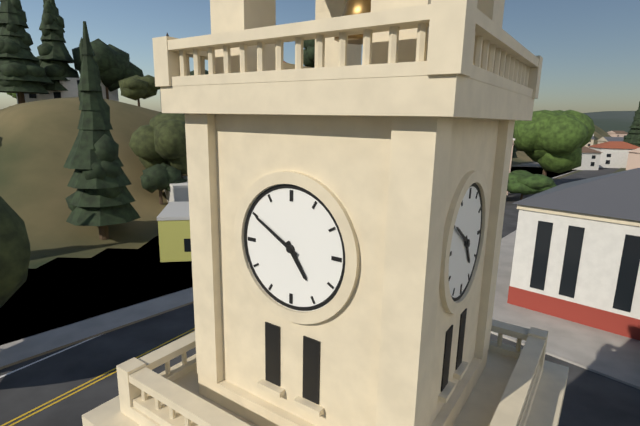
**4:50**
